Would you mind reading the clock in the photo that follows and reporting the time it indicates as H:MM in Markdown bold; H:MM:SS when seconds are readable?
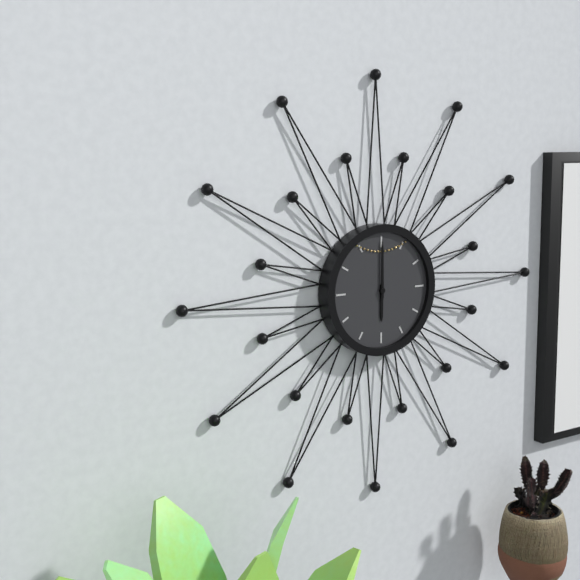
**6:00**
